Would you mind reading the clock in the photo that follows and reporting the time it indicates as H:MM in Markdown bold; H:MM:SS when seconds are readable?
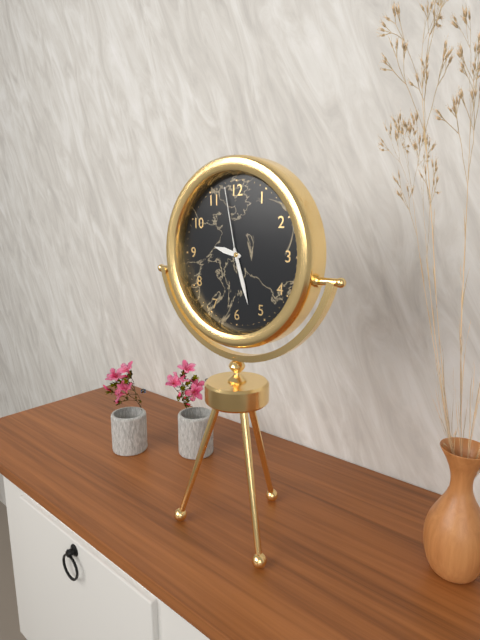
**9:27:58**
